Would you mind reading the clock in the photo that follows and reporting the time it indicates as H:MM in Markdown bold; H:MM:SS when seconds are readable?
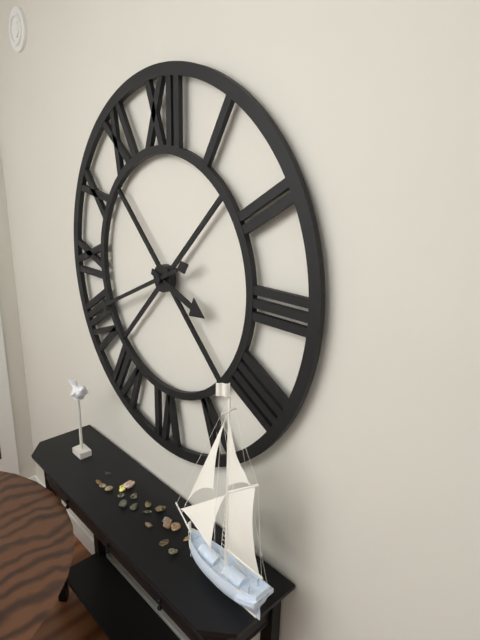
**3:41**
